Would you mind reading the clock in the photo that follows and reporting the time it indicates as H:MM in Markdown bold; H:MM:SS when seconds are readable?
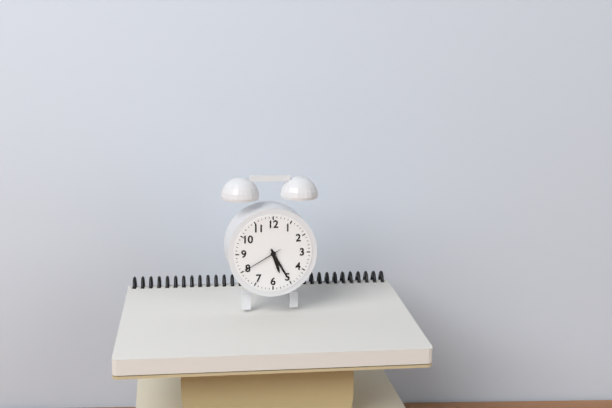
**5:25**
